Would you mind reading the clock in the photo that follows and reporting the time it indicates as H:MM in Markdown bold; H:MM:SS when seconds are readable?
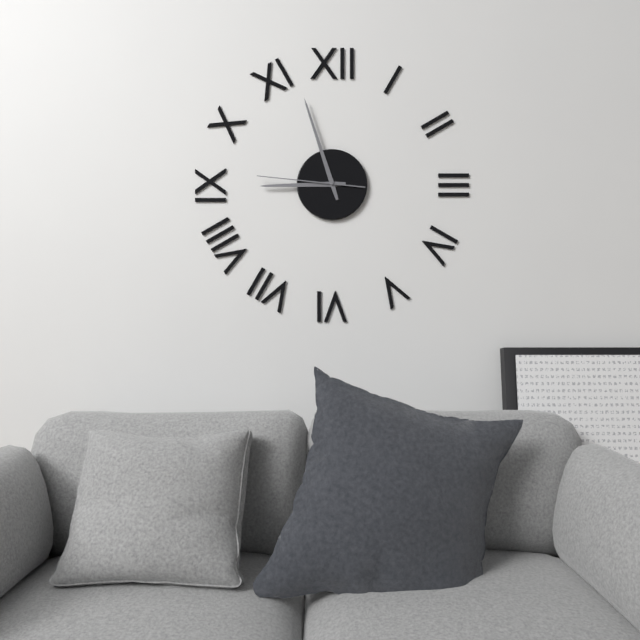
**8:57:46**
